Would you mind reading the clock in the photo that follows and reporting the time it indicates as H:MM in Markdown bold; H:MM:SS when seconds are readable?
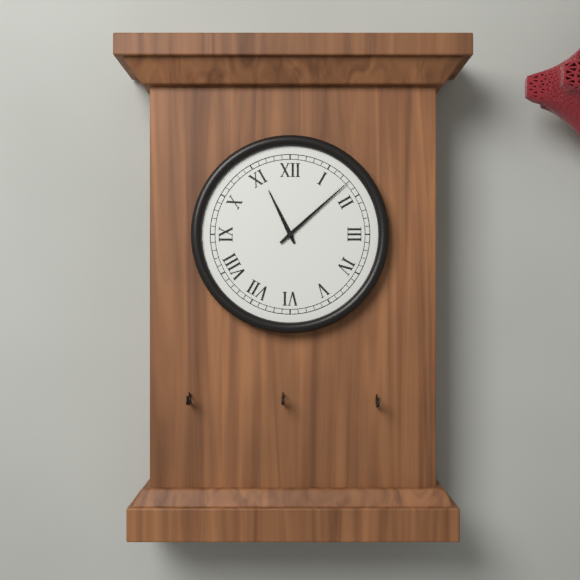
**11:08**
